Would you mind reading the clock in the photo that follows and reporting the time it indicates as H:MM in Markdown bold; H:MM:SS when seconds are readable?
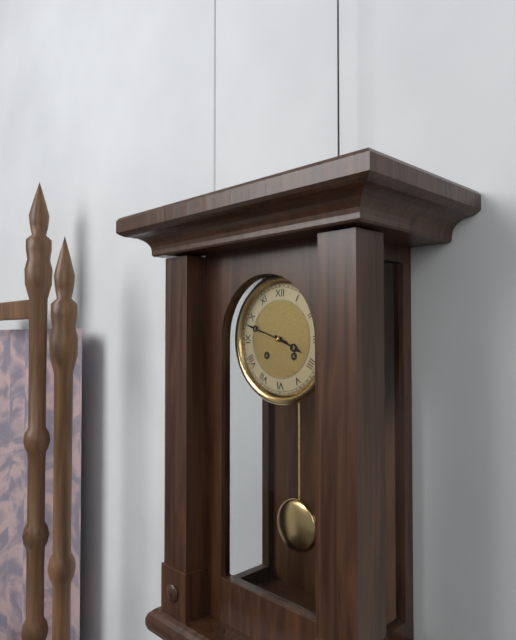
**3:48**
